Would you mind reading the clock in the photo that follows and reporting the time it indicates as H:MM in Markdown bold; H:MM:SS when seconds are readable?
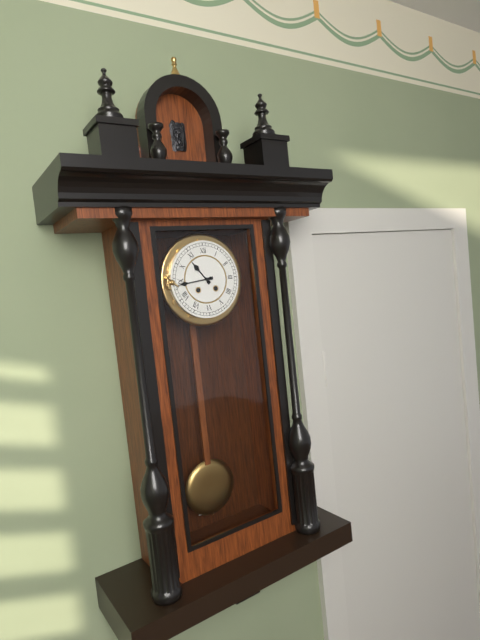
**10:44**
